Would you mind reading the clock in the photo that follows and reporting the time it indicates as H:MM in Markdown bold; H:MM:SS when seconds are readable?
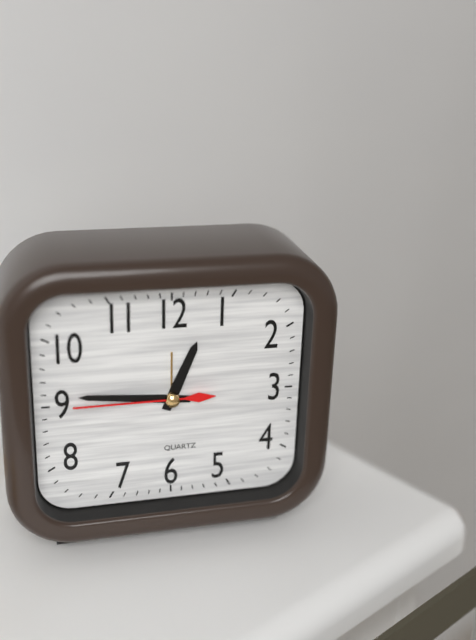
**12:46:45**
